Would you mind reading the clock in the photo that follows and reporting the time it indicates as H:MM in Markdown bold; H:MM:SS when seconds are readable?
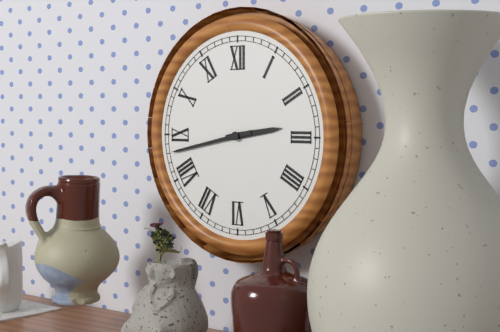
**2:43**
